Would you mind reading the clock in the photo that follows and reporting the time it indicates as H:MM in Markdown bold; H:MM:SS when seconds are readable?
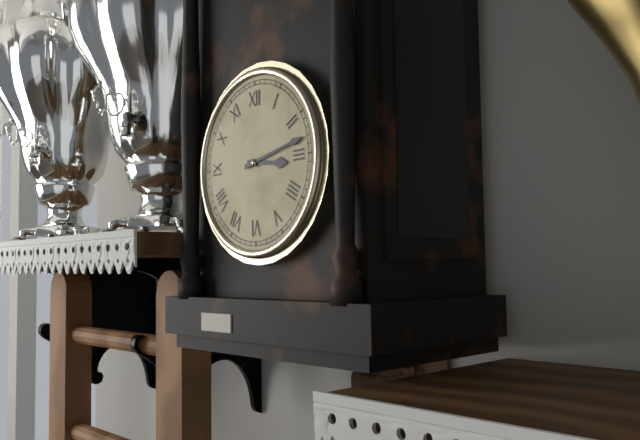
**3:13**
